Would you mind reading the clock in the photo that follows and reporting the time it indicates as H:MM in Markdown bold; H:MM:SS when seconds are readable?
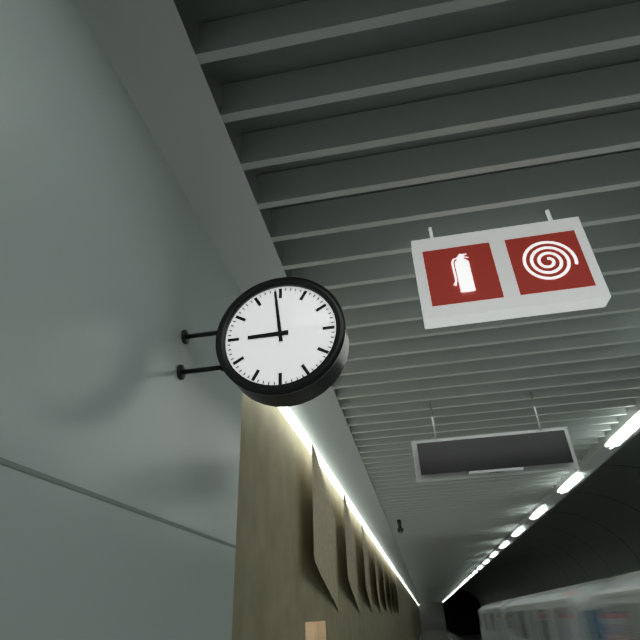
**8:59**
